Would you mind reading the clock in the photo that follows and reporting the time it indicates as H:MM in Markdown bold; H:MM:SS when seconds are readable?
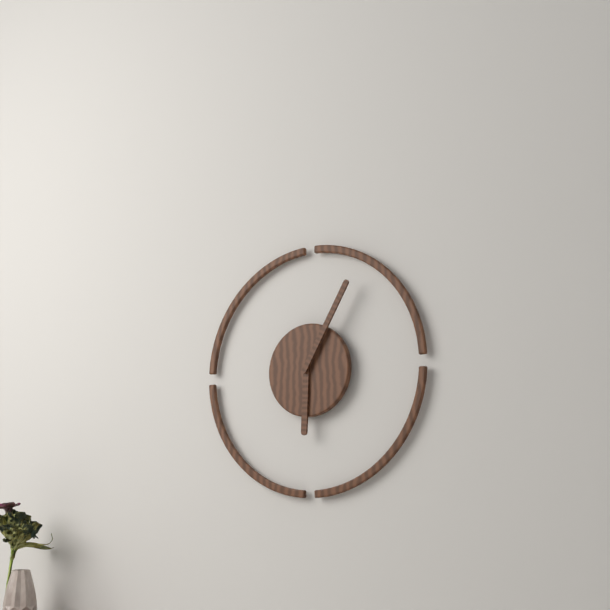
**6:05**
